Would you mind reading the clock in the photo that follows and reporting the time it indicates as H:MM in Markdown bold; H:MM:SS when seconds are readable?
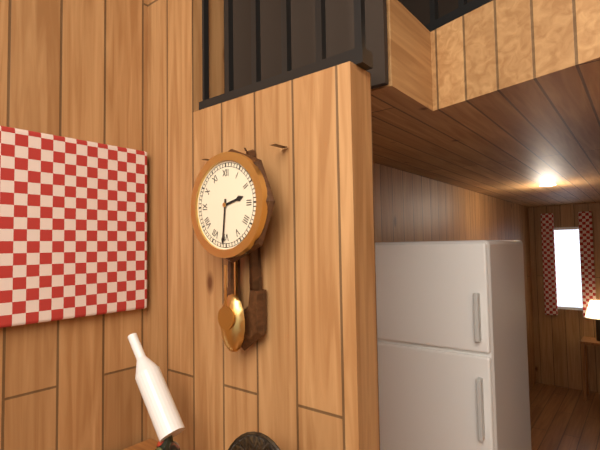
**2:31**
